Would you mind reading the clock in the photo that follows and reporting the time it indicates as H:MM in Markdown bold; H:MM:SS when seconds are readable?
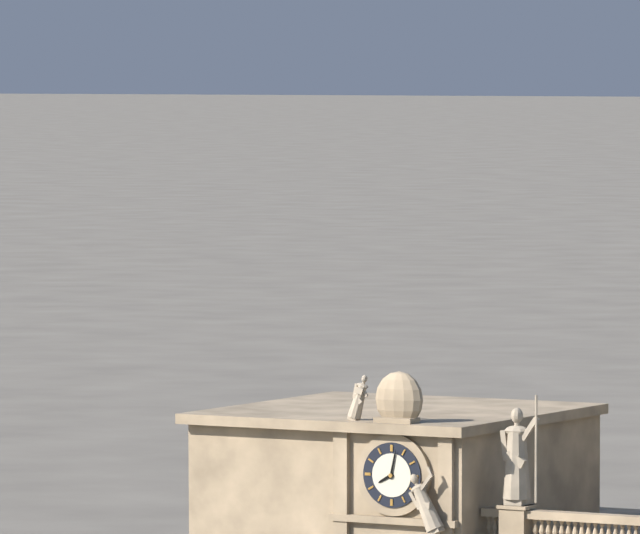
**8:02**
